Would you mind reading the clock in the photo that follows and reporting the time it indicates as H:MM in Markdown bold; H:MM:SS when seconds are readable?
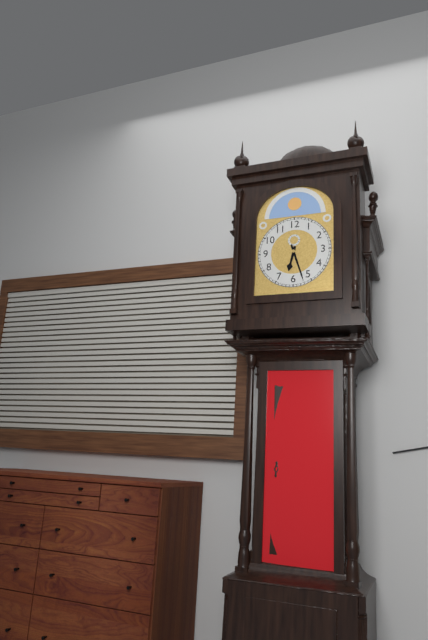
**6:27**
